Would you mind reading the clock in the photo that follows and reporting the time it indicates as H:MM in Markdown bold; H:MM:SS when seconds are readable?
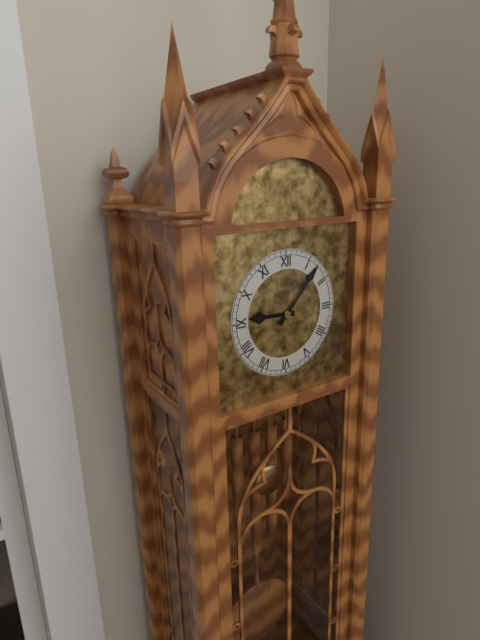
**9:07**
